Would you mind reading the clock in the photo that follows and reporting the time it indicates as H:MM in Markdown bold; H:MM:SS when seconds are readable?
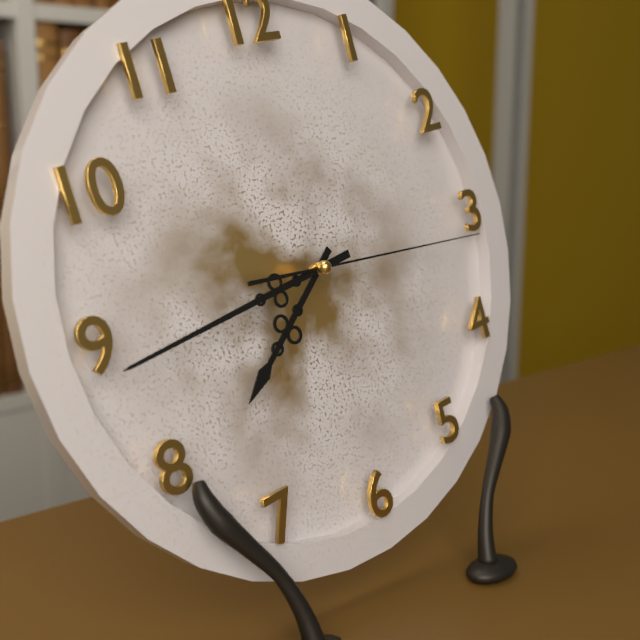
**7:44:16**
